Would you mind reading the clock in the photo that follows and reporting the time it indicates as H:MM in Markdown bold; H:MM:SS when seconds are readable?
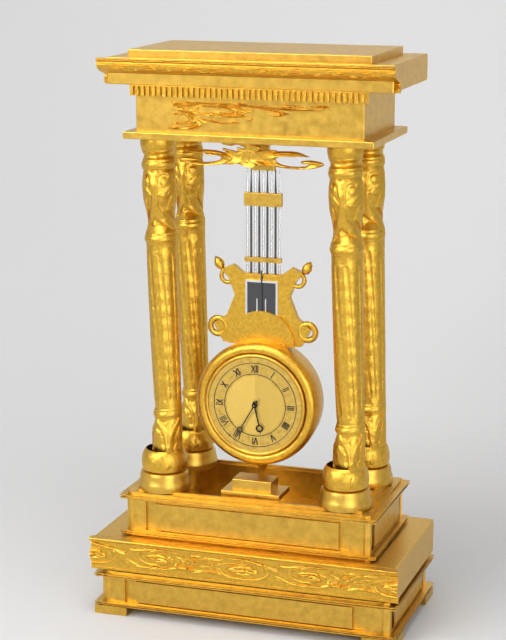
**5:35**
